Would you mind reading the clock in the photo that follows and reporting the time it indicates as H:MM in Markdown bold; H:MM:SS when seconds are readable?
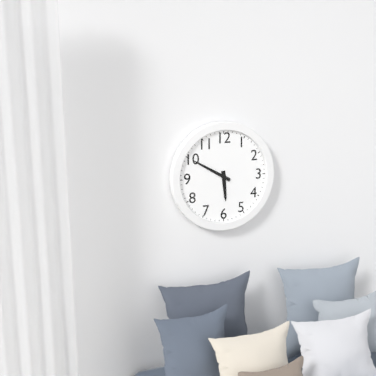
**5:50**
